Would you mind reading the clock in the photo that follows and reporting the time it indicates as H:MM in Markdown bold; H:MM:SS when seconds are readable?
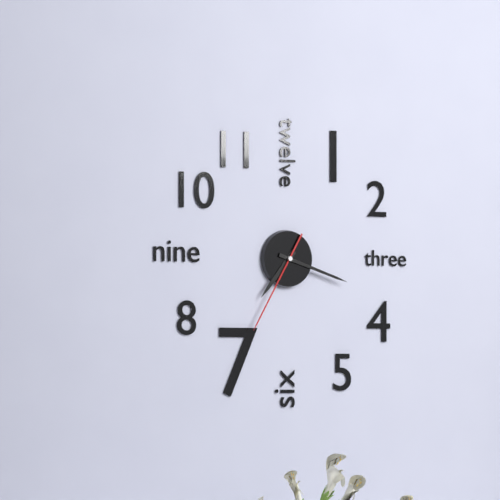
**7:18:35**
